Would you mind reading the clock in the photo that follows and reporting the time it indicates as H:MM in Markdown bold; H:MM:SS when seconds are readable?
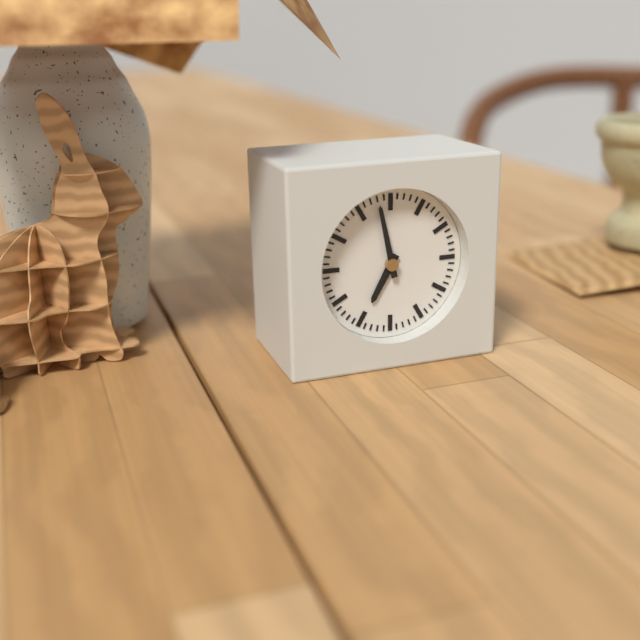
**6:58**
